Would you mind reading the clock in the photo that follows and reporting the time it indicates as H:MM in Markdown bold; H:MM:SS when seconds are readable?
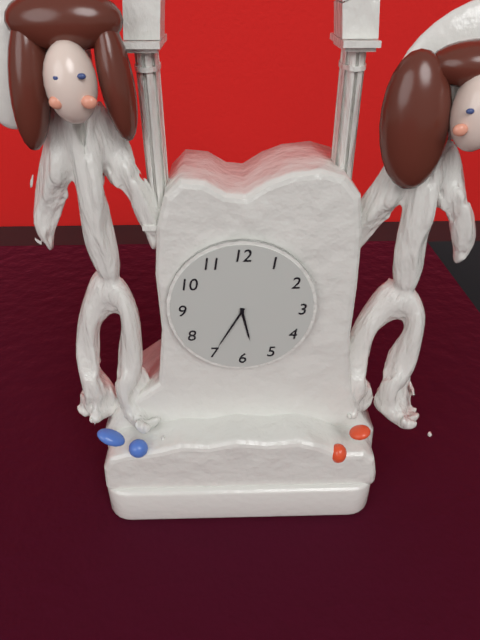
**5:35**
